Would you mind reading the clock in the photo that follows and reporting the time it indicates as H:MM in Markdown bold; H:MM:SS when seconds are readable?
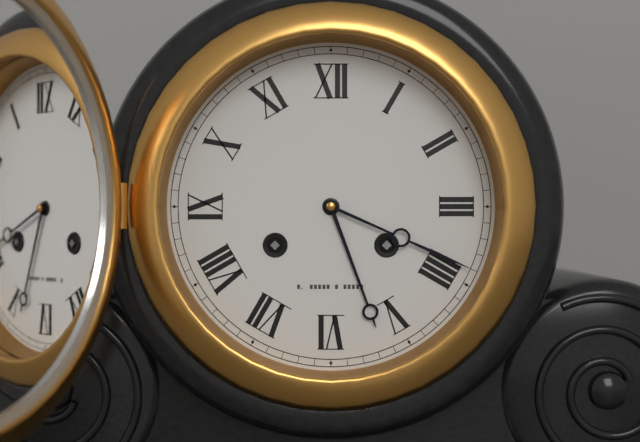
**5:19**
